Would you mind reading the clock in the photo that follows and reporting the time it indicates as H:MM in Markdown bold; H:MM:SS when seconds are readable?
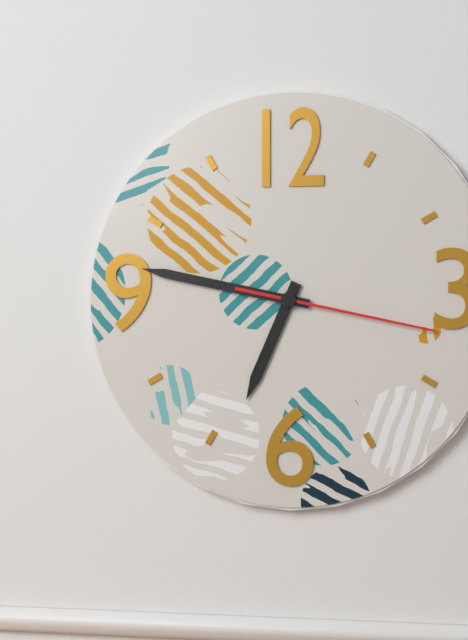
**6:47:17**
